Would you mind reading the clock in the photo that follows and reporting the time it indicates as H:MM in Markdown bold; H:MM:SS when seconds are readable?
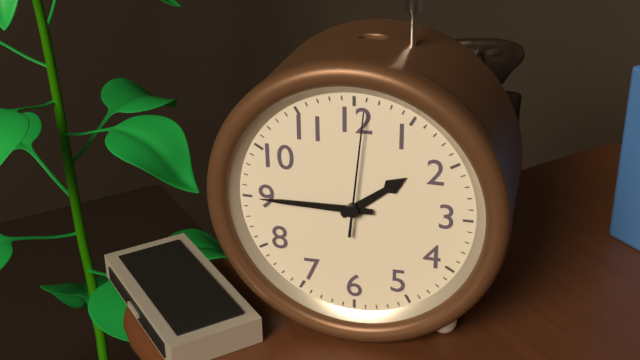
**1:45:01**
